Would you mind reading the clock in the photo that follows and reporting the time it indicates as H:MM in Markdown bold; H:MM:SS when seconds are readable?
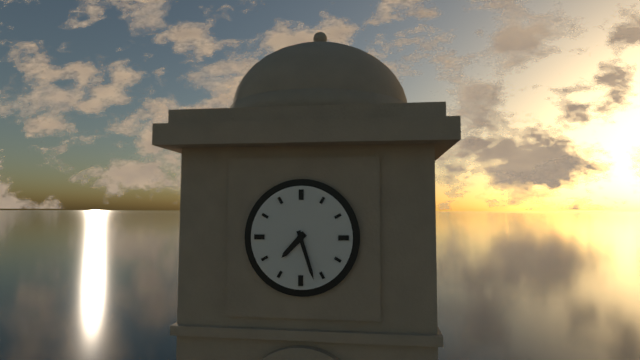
**7:27**
